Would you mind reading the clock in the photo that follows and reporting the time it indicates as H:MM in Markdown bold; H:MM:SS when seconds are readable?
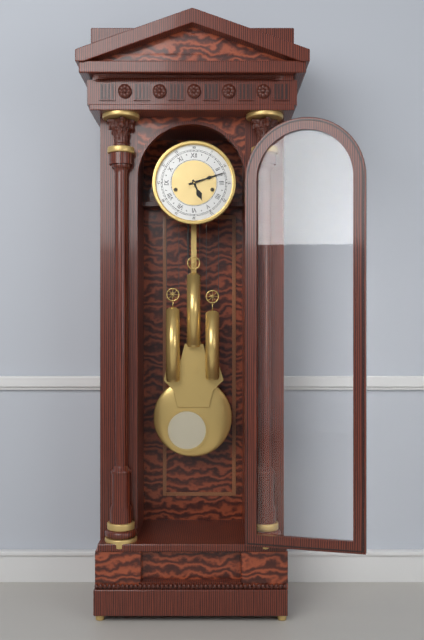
**5:12**
